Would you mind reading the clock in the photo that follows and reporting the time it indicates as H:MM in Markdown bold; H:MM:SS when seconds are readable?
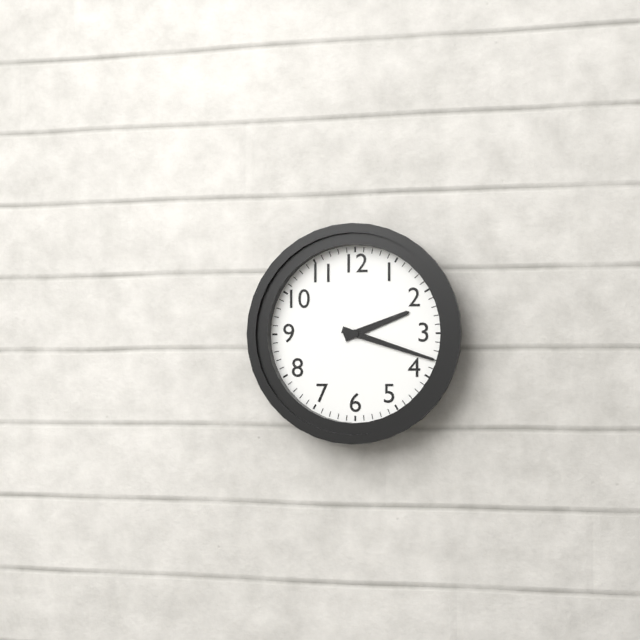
**2:18**
